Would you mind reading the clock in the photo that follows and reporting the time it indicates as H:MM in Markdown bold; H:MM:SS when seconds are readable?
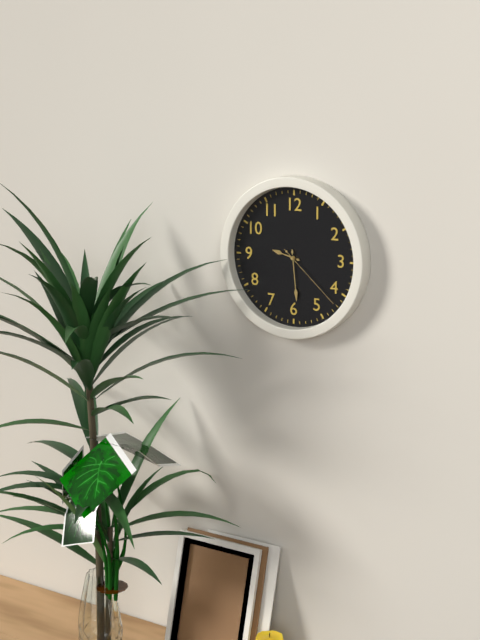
**9:29:22**
